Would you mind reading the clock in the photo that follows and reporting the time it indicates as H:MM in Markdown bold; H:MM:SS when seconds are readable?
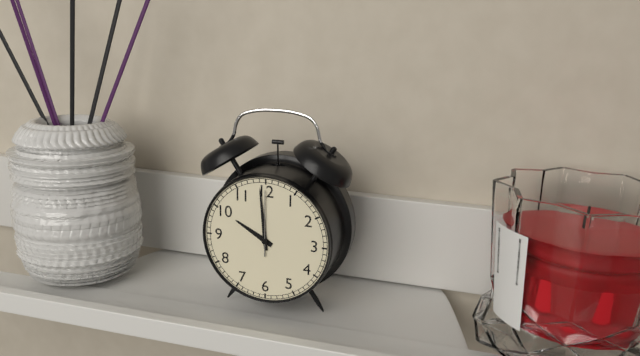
**9:59:00**
